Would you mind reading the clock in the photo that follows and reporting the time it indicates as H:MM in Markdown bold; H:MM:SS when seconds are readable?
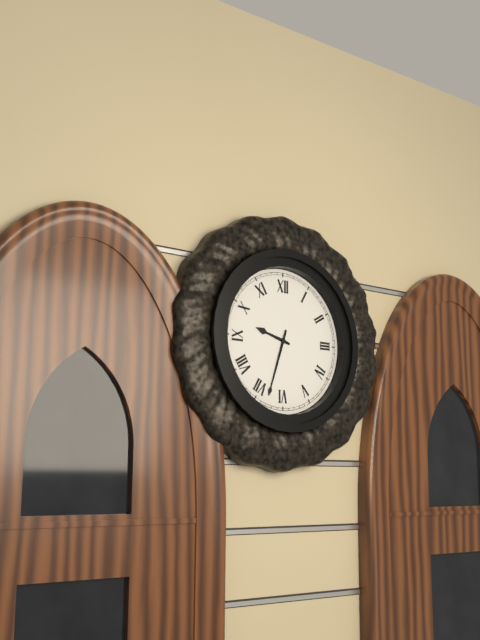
**9:33**
